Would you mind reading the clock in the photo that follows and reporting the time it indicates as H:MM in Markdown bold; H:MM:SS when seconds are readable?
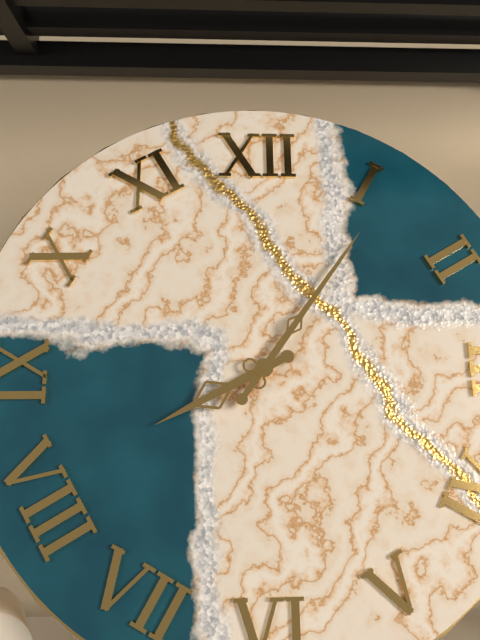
**8:06**
